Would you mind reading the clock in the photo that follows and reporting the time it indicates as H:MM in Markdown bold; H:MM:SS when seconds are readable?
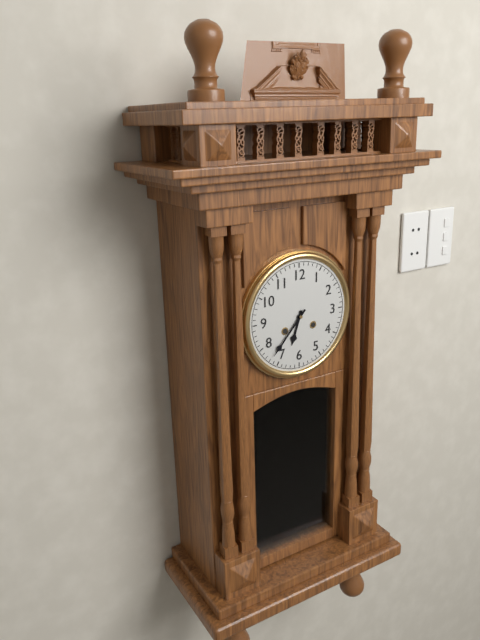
**6:37**
